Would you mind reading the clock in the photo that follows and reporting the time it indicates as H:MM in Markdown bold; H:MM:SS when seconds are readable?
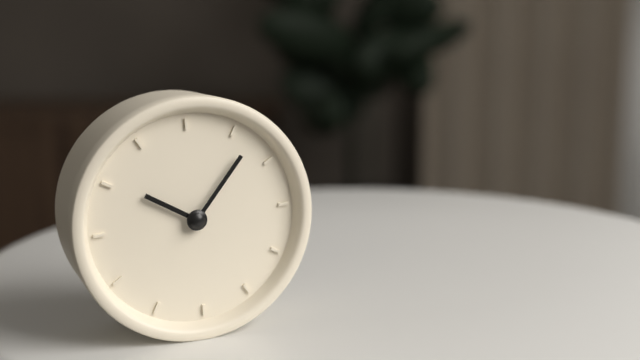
**10:07**
